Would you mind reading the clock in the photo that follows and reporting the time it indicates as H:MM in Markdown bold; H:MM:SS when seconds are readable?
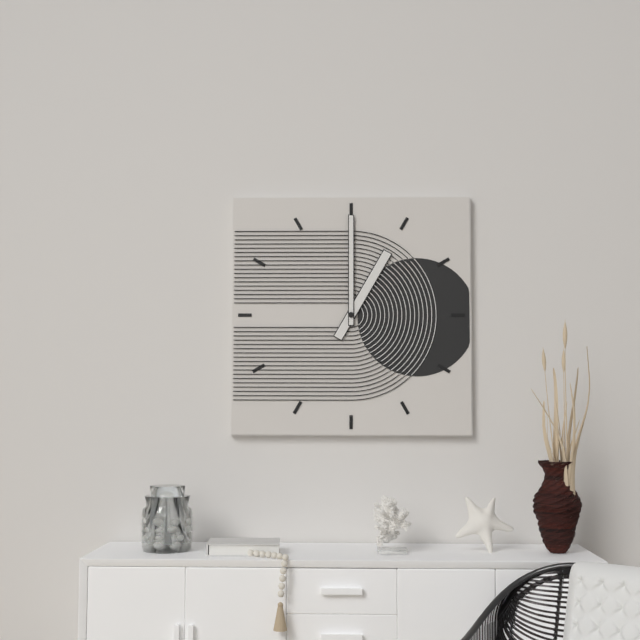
**1:00**
